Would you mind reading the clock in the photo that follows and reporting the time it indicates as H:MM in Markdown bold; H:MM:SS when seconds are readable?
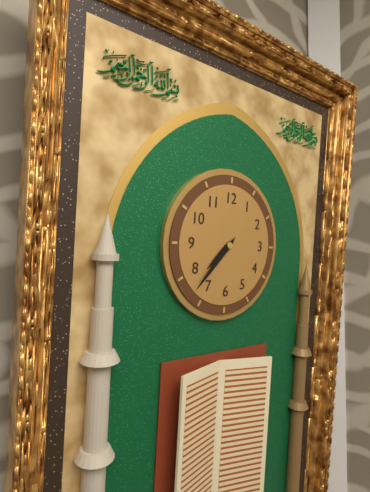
**7:37**
